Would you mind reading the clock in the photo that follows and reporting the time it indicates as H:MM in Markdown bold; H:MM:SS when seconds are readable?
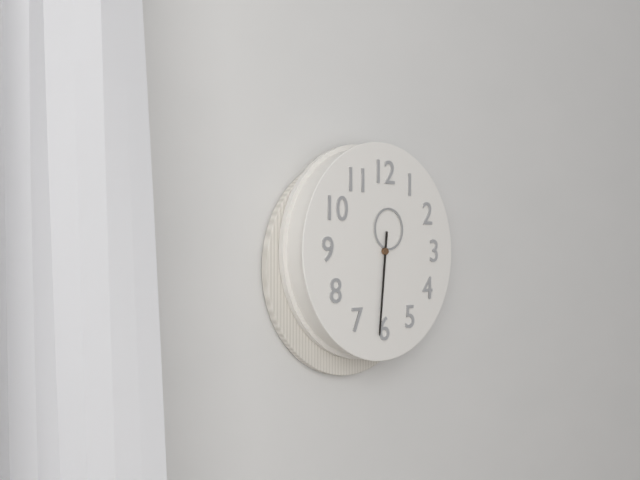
**12:31**
